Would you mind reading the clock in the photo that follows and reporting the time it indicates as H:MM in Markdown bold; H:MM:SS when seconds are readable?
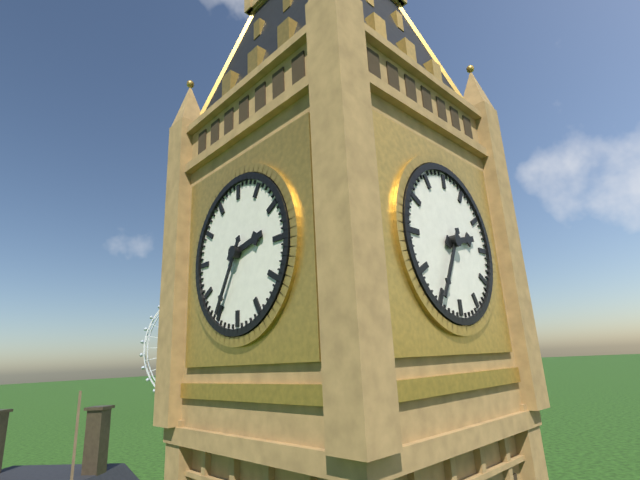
**2:35**
